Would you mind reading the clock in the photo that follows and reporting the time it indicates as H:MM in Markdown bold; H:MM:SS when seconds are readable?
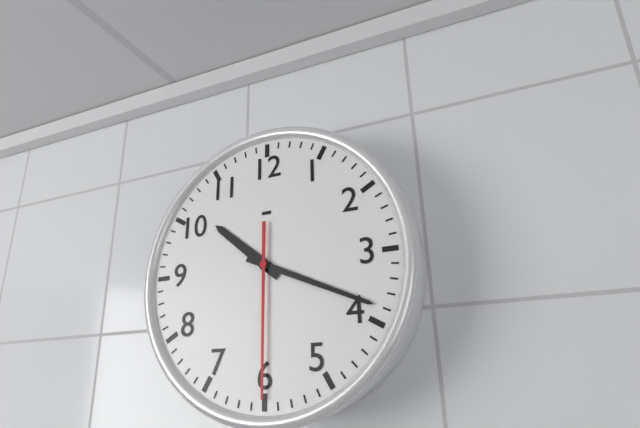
**10:19:30**
